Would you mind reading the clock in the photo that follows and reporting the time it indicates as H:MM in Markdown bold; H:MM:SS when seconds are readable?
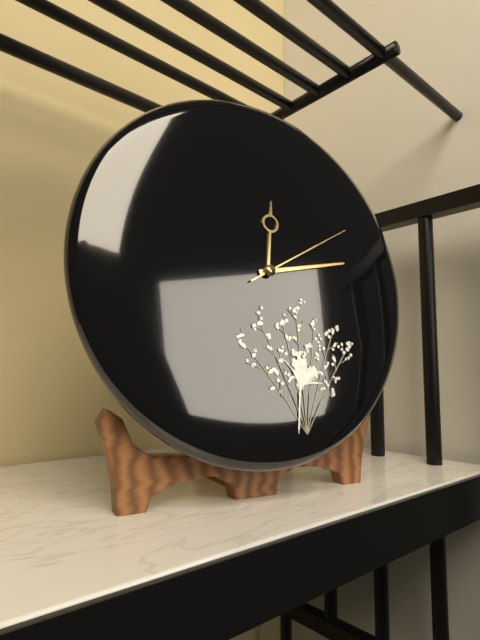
**12:13:10**
